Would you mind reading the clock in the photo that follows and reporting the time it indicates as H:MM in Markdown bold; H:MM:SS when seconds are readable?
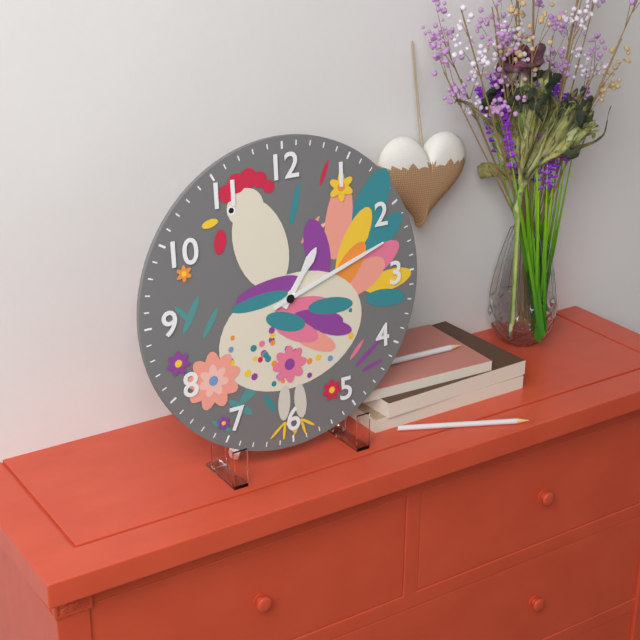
**1:12**
